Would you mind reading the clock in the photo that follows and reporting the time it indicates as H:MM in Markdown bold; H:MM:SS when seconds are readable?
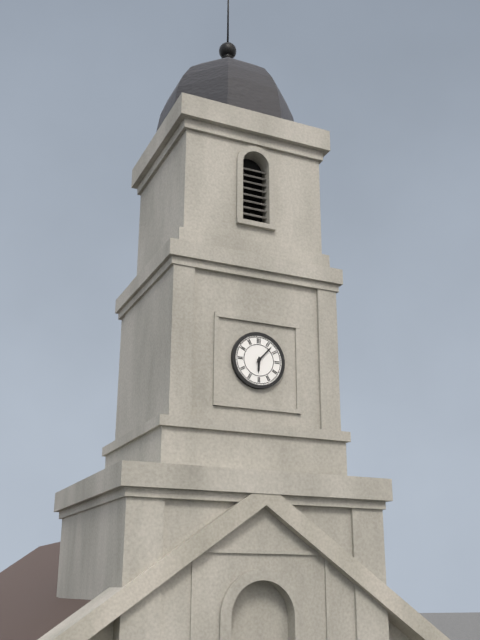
**6:07**
